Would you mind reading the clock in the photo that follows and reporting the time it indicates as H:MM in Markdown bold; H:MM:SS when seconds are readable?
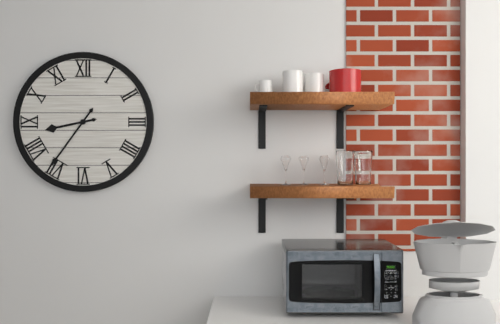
**8:36**
